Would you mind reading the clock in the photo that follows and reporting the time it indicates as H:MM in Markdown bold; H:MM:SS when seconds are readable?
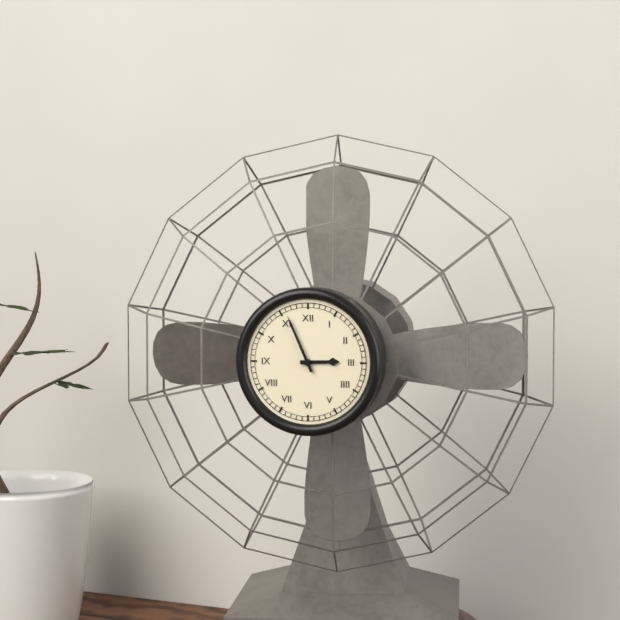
**2:56**
